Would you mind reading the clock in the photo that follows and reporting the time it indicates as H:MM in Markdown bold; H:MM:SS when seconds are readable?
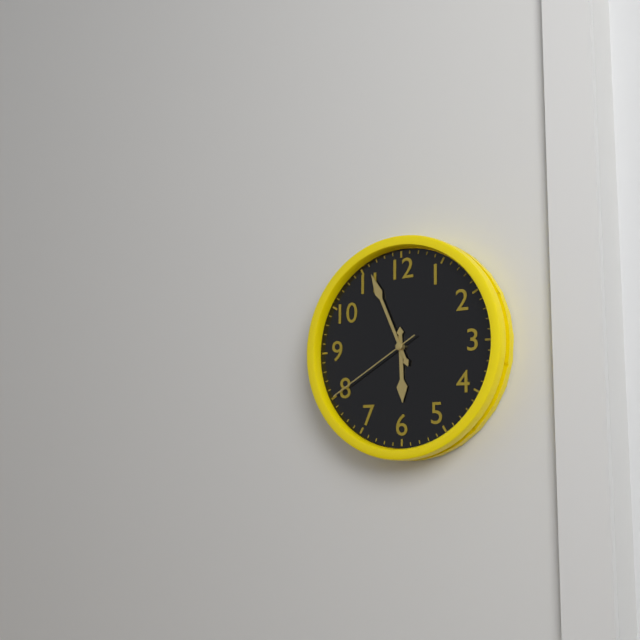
**5:56:40**
